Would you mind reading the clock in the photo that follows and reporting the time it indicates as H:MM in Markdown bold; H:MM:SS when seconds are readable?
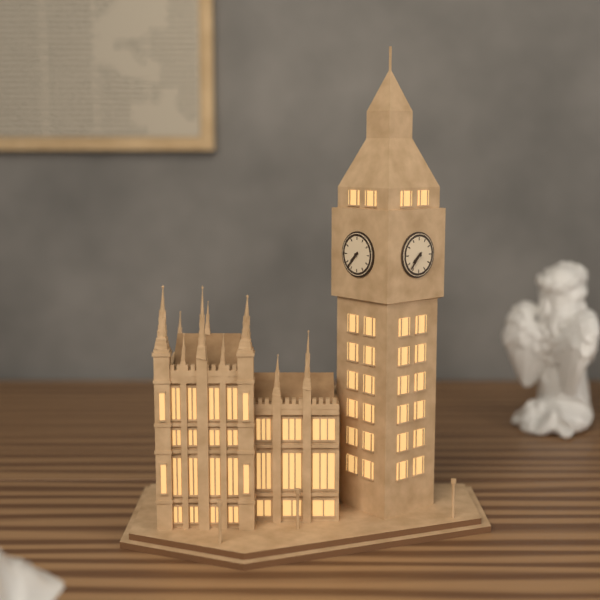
**7:37**
